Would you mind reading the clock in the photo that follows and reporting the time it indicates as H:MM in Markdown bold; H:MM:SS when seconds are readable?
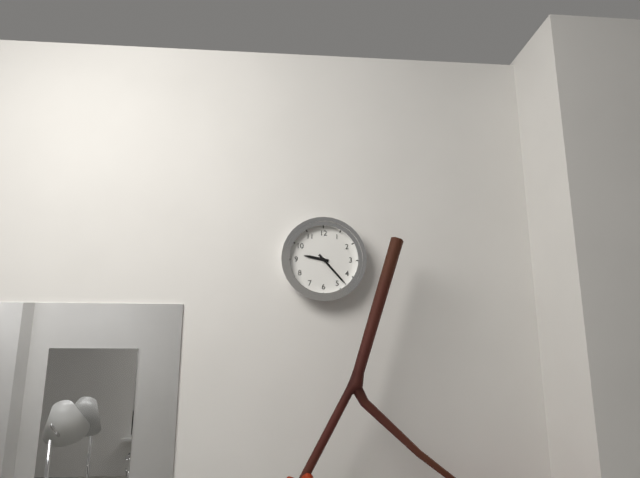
**9:23**
